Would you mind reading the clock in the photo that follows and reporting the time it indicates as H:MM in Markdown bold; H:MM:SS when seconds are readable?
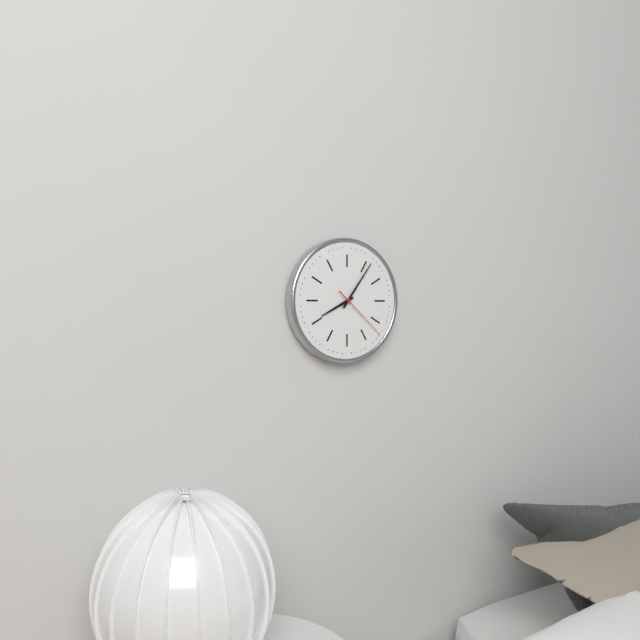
**8:06:22**
